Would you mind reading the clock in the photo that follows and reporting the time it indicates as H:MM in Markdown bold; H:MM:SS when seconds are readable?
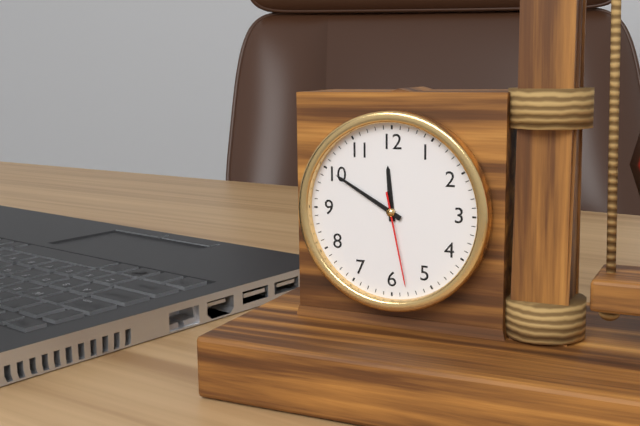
**11:50:28**
